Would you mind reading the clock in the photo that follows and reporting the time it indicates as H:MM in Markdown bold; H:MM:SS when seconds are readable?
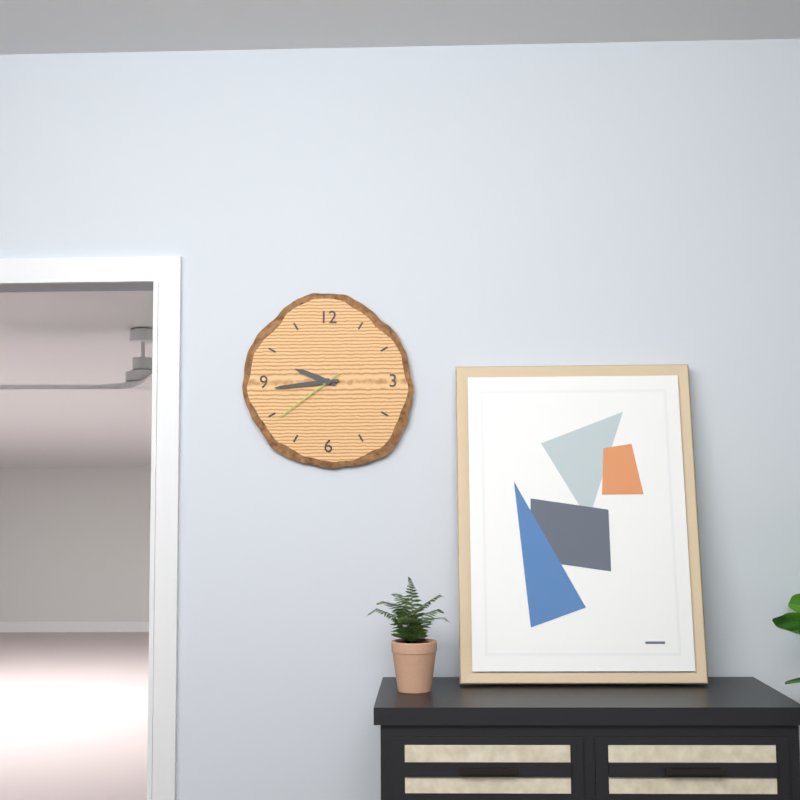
**9:44:39**
